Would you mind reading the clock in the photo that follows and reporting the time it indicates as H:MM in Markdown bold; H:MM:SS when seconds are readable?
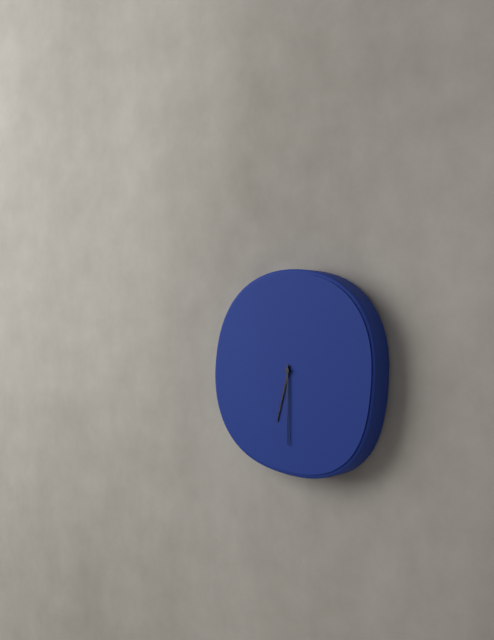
**6:30**
